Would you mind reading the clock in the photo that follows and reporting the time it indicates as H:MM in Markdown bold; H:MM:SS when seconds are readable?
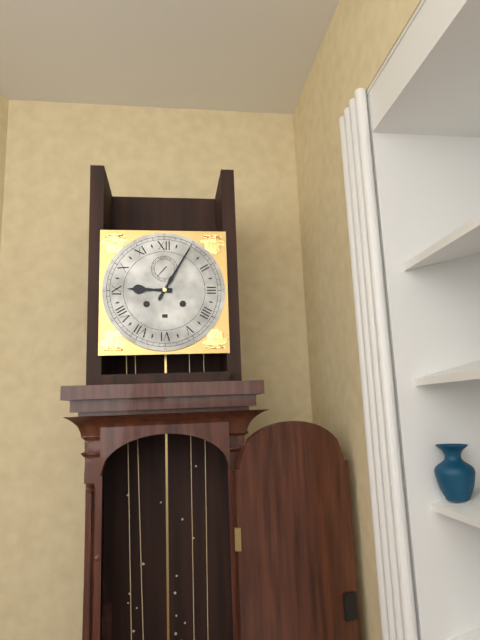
**9:05**
